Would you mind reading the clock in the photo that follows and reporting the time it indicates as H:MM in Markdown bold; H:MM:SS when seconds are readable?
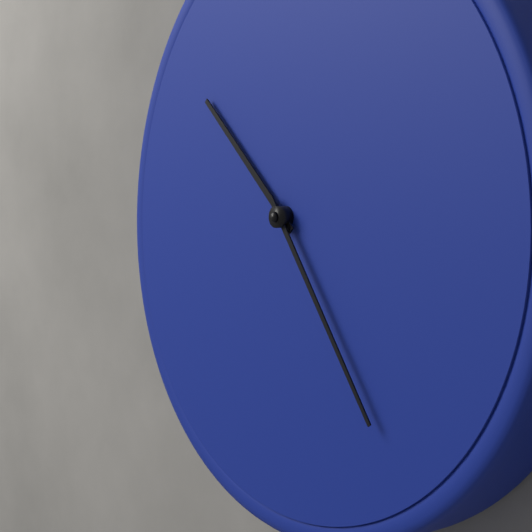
**10:24**
